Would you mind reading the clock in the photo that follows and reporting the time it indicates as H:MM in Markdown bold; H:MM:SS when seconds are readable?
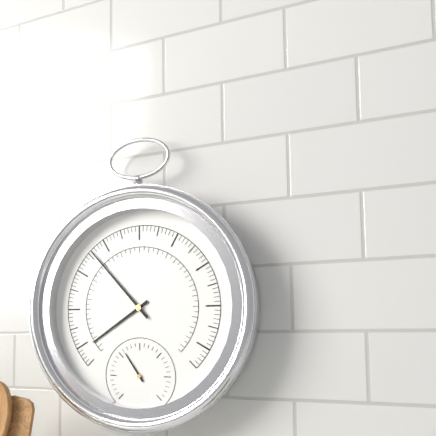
**7:53**
